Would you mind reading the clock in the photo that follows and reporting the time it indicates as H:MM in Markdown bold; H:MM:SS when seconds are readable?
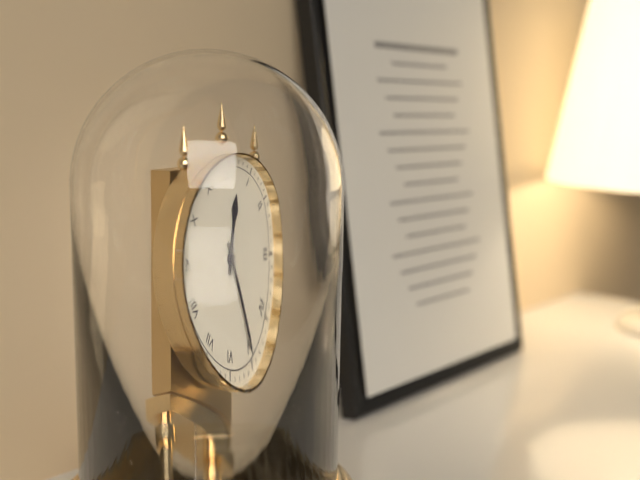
**12:25**
